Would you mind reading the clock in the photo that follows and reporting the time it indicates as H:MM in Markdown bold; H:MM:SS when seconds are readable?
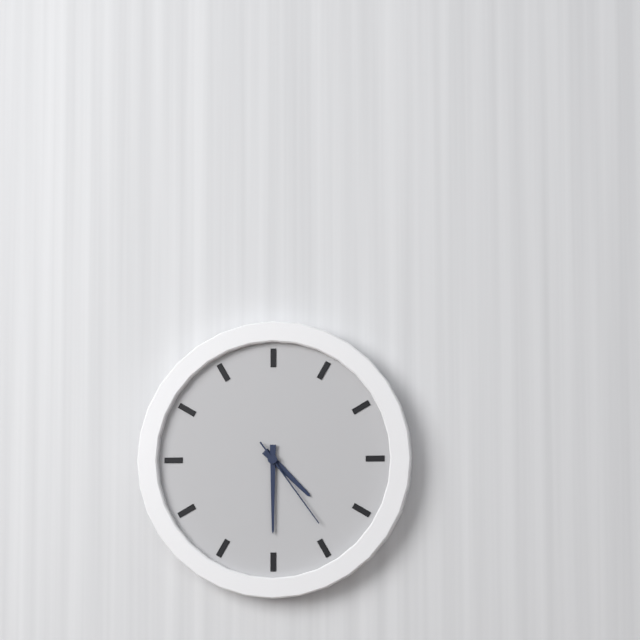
**4:30:24**
